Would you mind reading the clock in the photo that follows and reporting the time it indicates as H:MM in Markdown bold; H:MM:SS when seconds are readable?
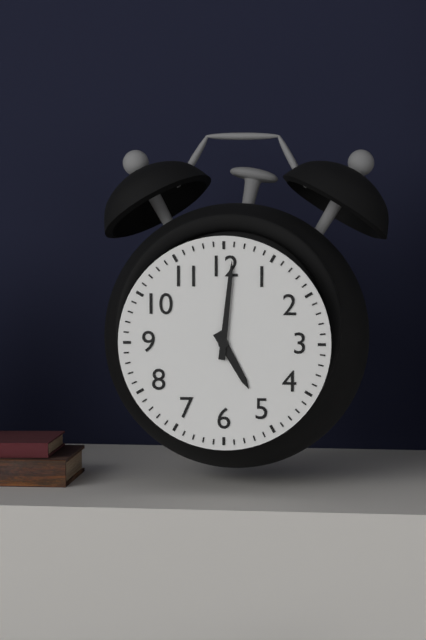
**5:01**
